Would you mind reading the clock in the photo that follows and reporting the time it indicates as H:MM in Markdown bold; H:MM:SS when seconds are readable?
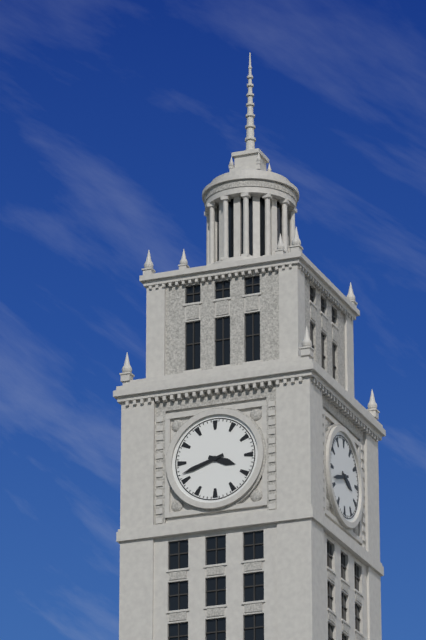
**3:42**
